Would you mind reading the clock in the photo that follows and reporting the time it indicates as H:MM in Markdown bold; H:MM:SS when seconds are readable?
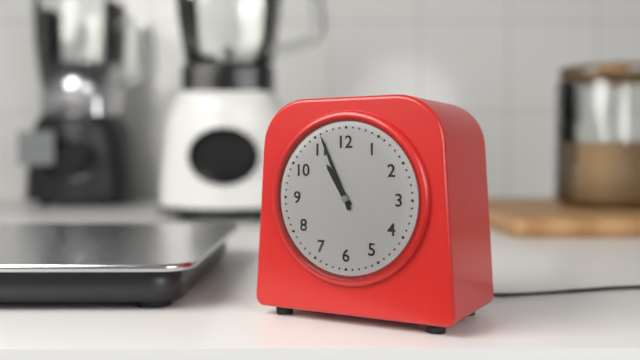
**10:56**
